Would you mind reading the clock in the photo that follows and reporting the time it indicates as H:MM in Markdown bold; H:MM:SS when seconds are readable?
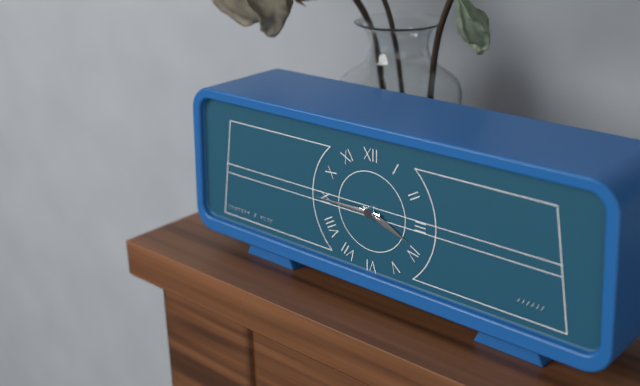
**3:45**
